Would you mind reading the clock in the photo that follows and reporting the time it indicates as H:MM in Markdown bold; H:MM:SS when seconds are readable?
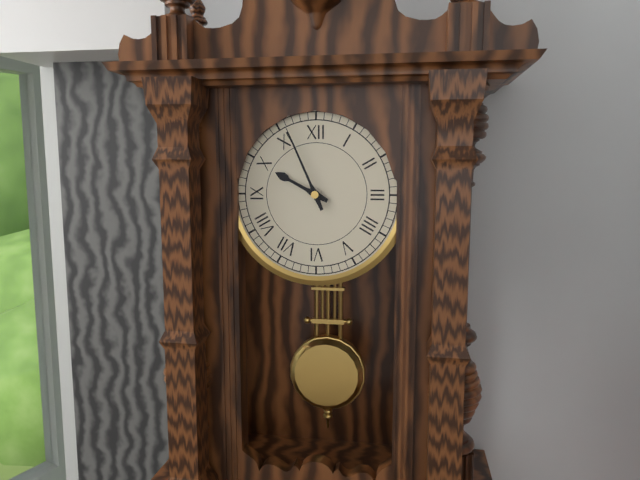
**9:56**
